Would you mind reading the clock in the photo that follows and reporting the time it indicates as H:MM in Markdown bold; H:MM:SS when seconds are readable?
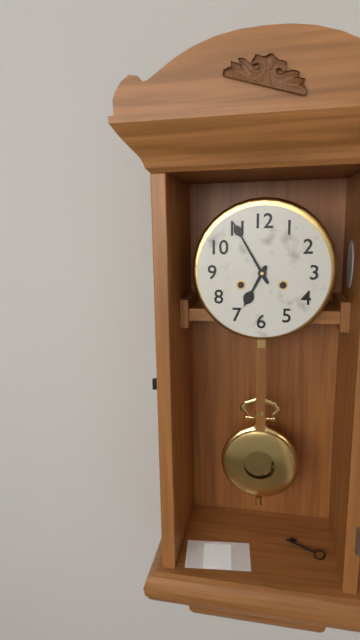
**6:55**
